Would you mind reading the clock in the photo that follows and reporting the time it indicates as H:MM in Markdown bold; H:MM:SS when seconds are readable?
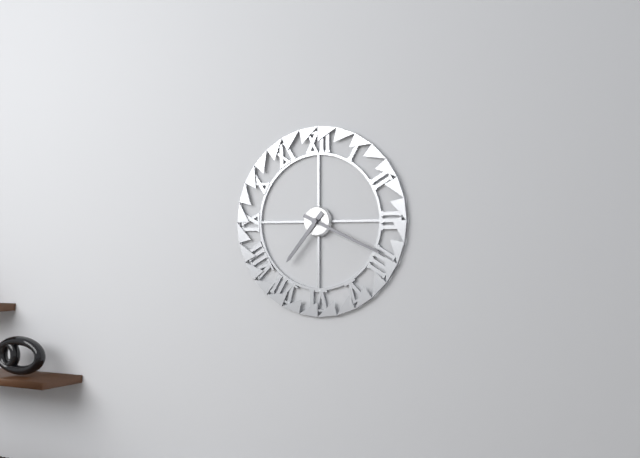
**7:19**
